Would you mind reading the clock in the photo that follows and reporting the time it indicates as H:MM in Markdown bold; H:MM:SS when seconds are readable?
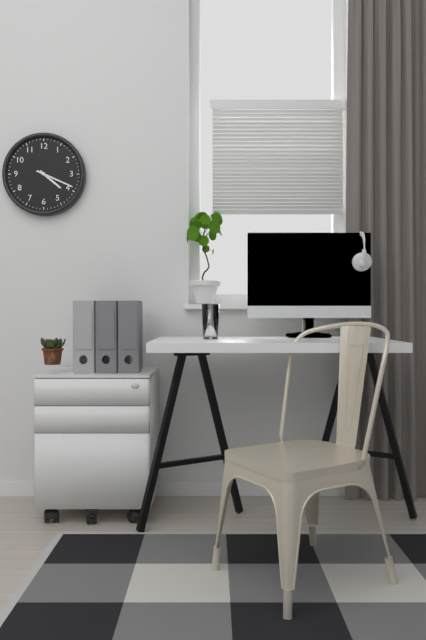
**4:19**
